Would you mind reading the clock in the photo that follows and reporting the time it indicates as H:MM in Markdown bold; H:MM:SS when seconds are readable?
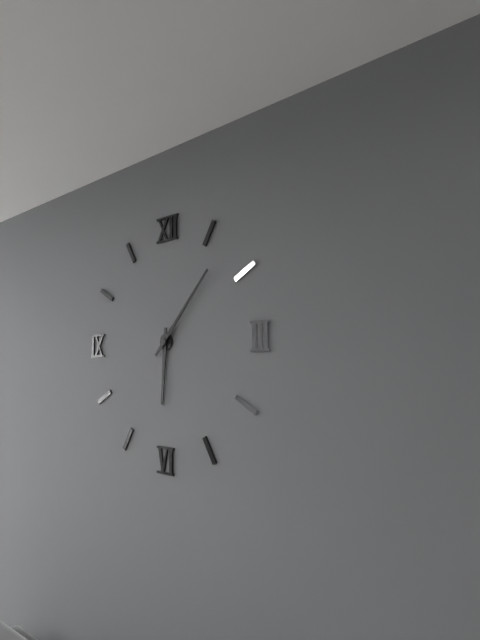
**6:07**
